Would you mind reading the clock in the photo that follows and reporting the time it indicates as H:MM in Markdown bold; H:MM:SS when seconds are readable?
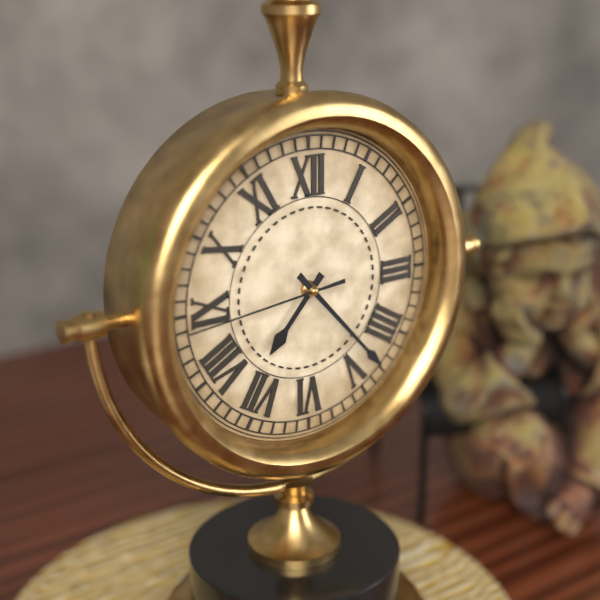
**7:23:44**
